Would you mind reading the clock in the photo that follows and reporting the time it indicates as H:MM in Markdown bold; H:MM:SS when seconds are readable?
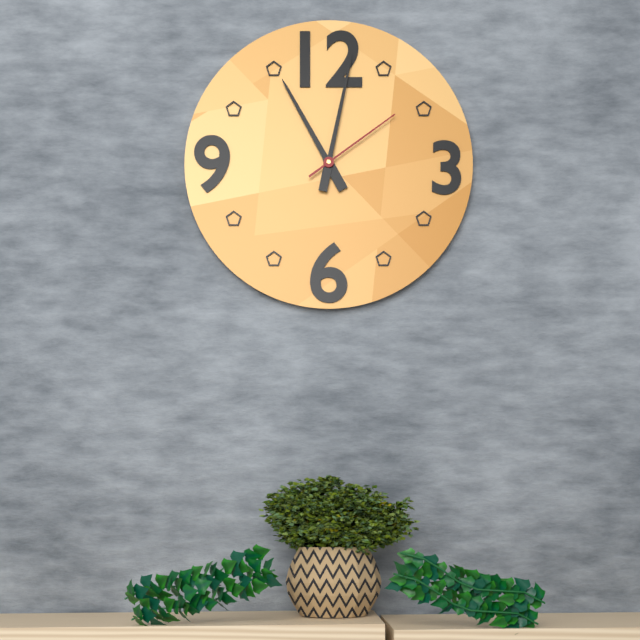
**11:02:09**
